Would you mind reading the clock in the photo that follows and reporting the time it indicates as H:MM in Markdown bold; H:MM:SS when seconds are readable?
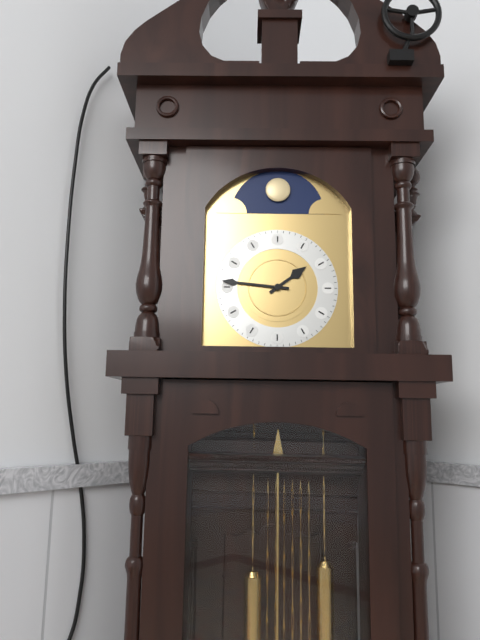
**1:46**
